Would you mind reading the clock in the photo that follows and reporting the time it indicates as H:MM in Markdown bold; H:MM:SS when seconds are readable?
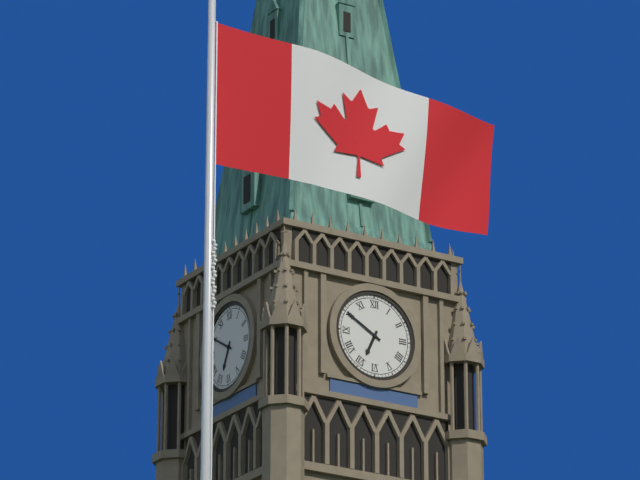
**6:50**
